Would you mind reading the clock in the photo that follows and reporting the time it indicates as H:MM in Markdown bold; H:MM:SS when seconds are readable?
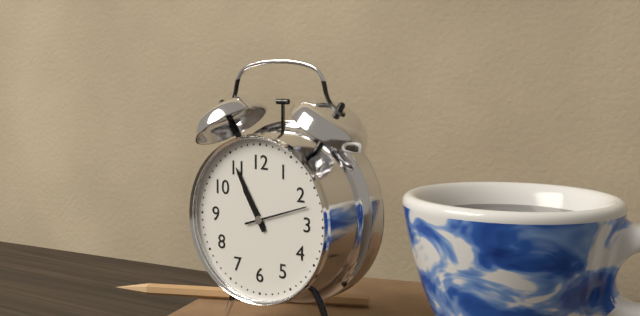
**10:55**
